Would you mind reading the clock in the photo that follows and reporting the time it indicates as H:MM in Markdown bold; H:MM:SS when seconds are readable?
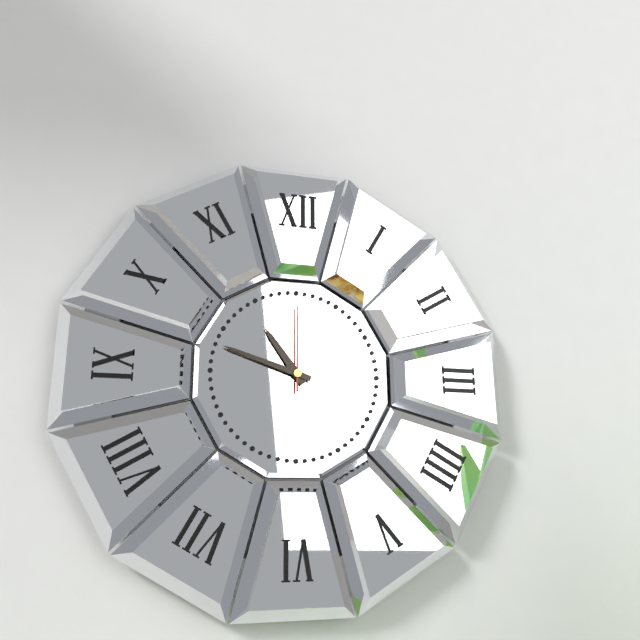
**10:48:00**
